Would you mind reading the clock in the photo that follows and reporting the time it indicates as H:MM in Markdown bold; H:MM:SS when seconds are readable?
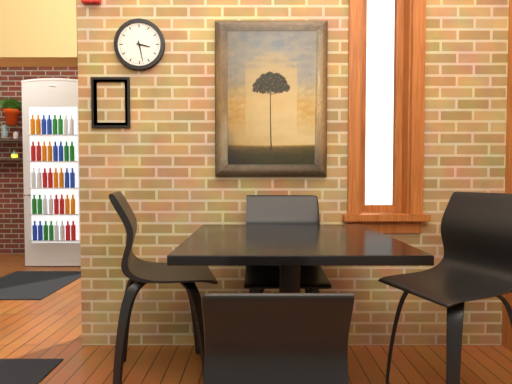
**3:28**
